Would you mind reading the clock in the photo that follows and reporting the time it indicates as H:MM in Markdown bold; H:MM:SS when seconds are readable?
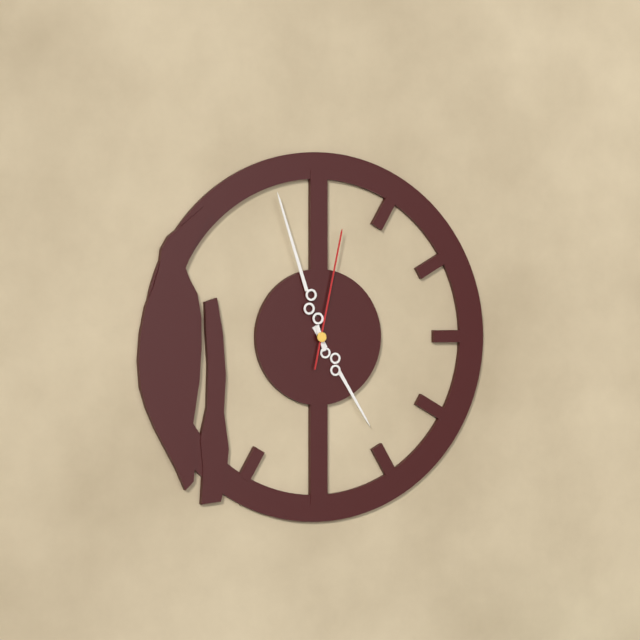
**4:57:02**
